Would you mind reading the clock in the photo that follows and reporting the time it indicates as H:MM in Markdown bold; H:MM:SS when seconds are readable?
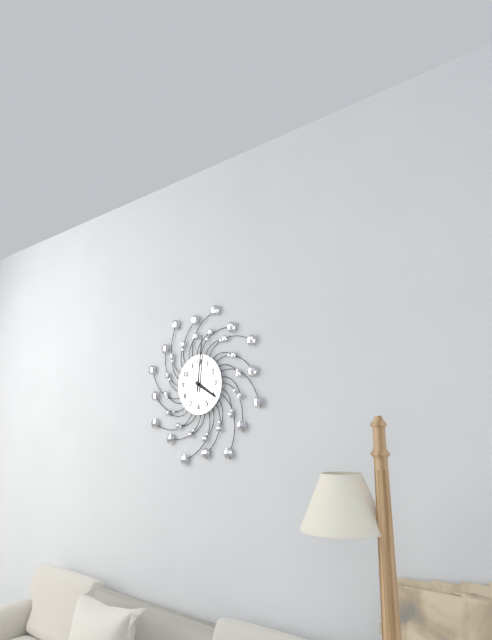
**4:01**
